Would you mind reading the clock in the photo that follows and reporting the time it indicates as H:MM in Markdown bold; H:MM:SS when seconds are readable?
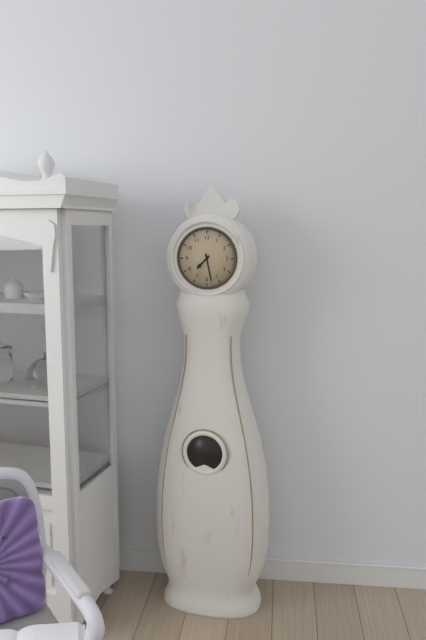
**7:28**
